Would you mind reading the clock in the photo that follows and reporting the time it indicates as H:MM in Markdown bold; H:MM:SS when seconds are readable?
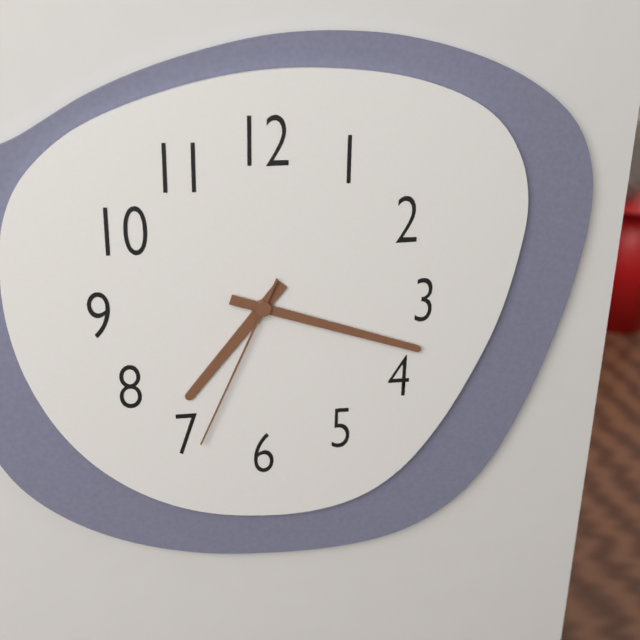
**7:18:34**
